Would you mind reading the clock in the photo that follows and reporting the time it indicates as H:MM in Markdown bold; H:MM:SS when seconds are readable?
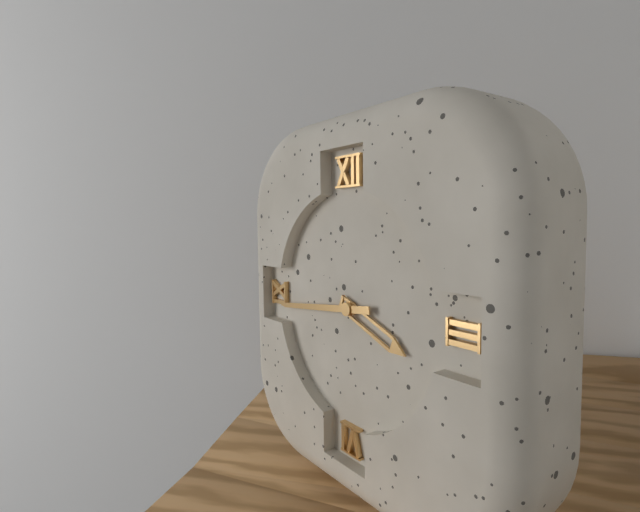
**3:44**
